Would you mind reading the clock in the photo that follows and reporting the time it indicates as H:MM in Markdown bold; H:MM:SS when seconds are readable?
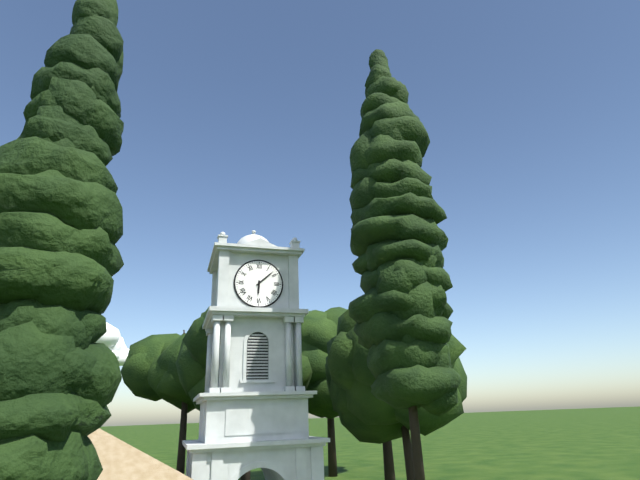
**6:08**
